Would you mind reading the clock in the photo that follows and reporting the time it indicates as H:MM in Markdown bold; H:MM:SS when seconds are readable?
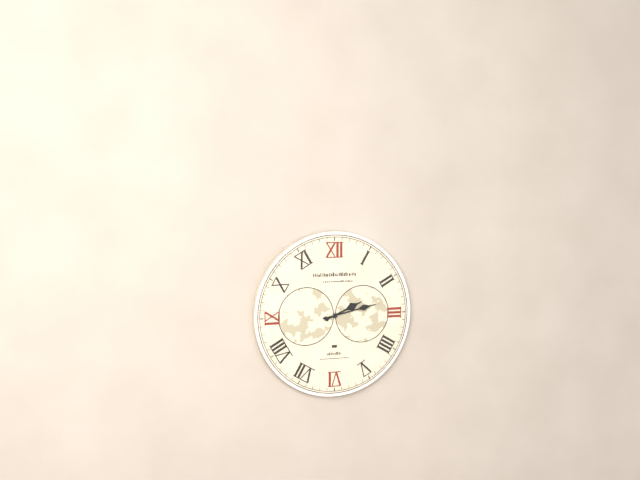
**2:13**
